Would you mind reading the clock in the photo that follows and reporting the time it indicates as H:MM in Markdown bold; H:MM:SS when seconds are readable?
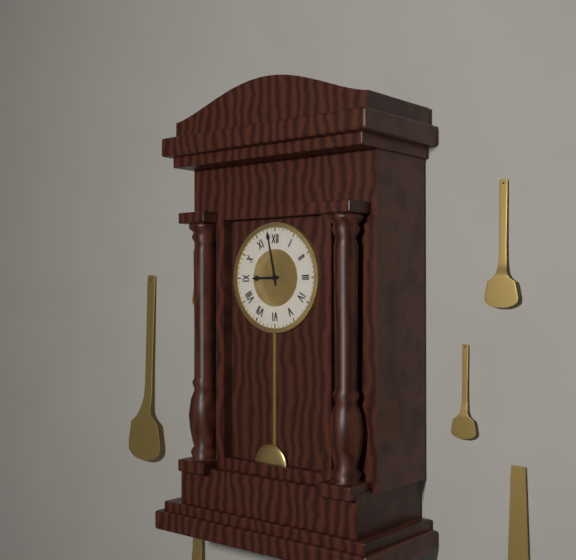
**8:58**
